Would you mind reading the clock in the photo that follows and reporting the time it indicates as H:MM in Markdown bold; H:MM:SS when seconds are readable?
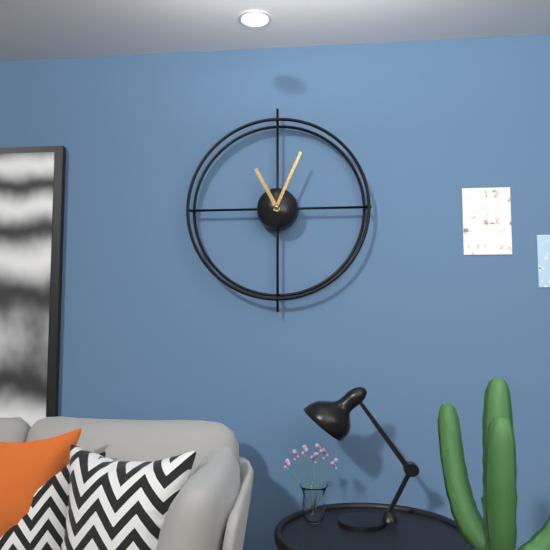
**11:04**
